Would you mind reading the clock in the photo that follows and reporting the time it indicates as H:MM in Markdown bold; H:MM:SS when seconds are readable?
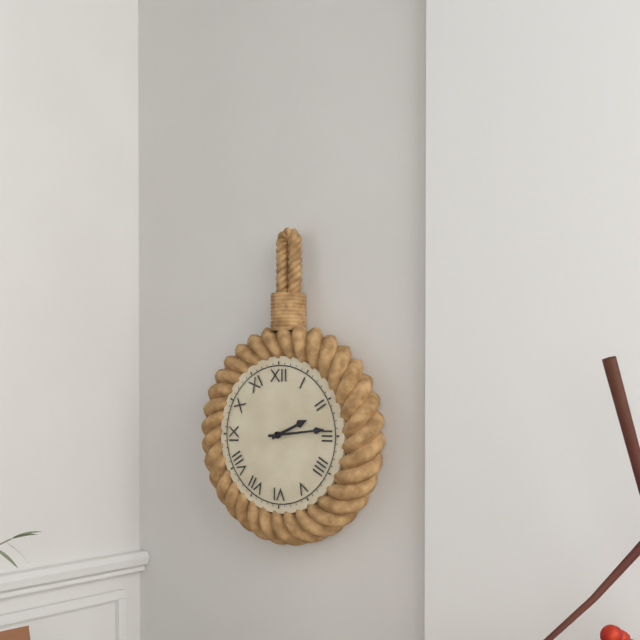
**2:14**
